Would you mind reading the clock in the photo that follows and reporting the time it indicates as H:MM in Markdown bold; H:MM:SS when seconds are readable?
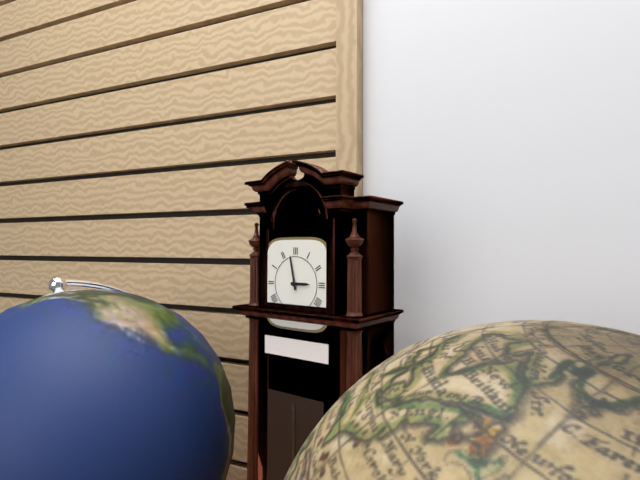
**2:58**
